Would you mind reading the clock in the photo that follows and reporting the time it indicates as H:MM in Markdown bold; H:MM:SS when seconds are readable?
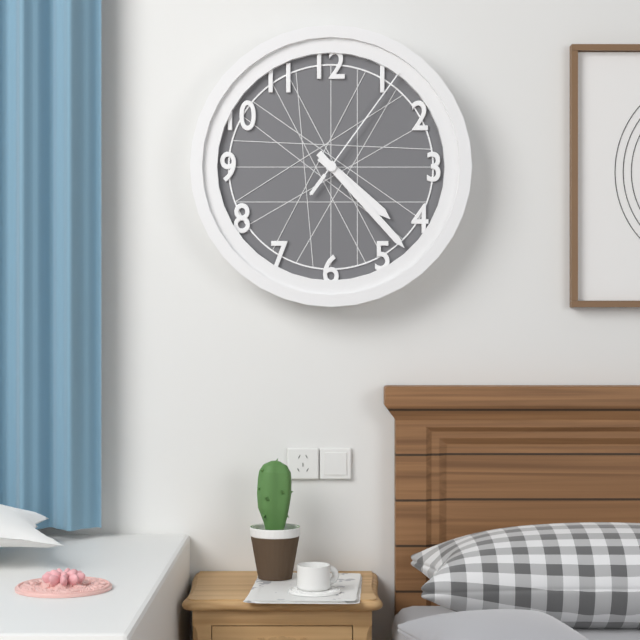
**4:23:06**
